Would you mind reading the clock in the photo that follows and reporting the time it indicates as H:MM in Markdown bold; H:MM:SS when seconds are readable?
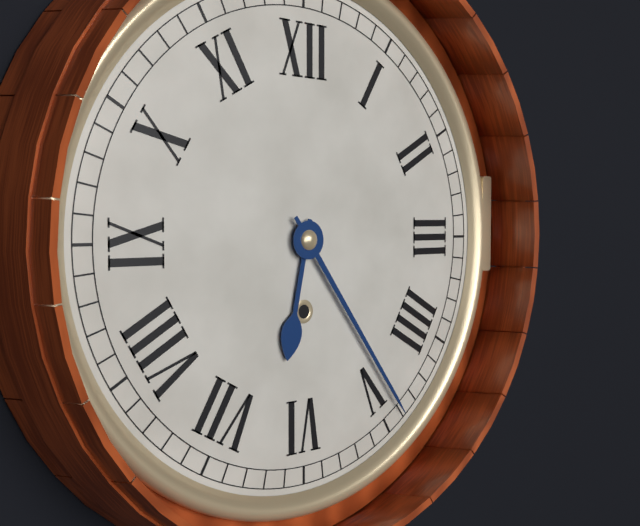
**6:24**
